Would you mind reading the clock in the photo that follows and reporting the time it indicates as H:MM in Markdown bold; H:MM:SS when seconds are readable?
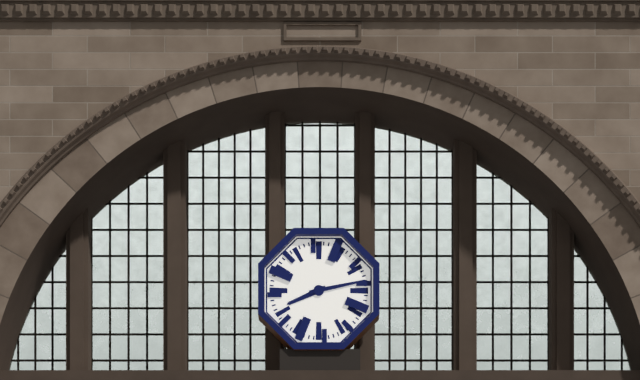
**8:13**
